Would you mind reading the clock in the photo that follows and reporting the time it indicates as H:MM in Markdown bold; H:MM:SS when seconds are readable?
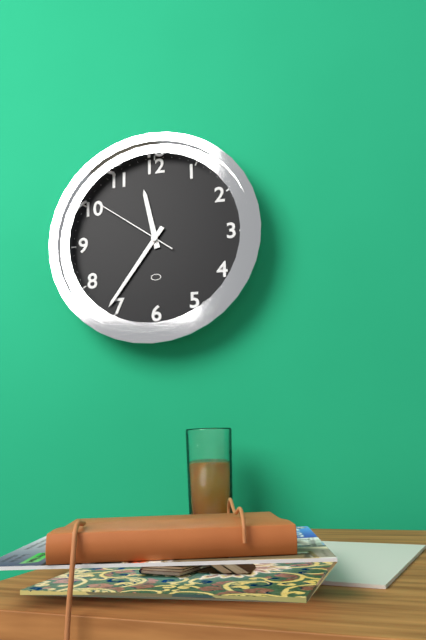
**11:36:51**
